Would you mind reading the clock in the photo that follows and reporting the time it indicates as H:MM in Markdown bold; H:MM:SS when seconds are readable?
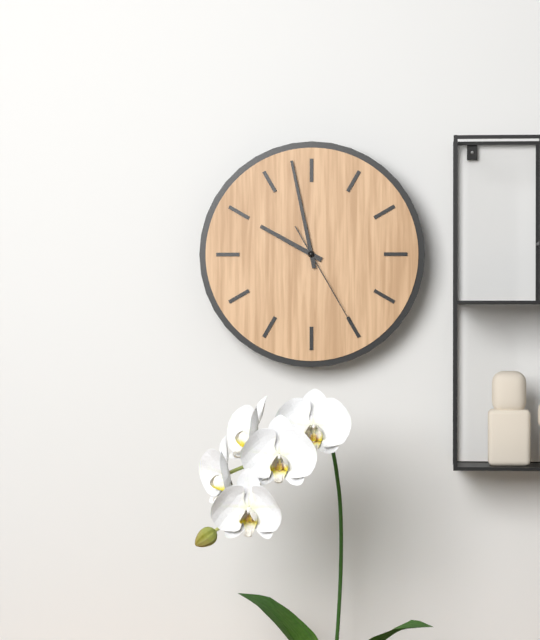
**9:58:25**
